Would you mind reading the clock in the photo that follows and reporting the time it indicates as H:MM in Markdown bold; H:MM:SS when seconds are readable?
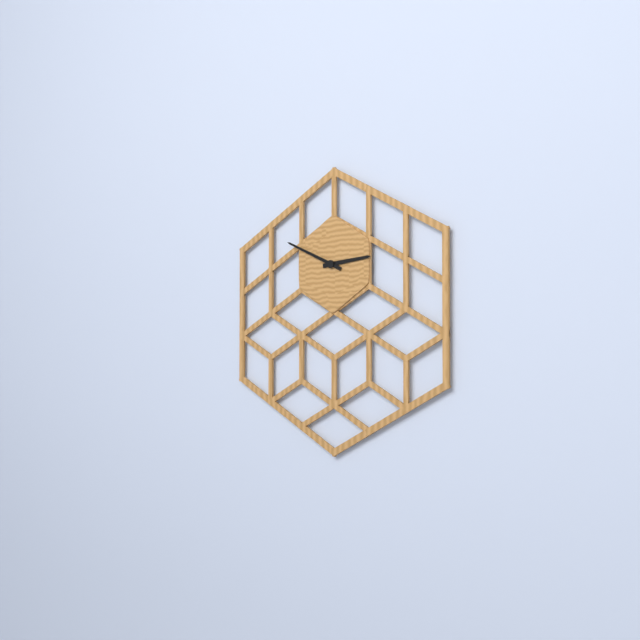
**2:49**
